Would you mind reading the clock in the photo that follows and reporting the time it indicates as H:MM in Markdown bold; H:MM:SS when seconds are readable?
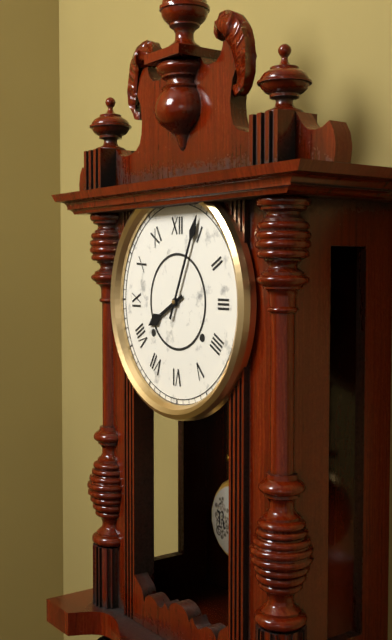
**8:04**
